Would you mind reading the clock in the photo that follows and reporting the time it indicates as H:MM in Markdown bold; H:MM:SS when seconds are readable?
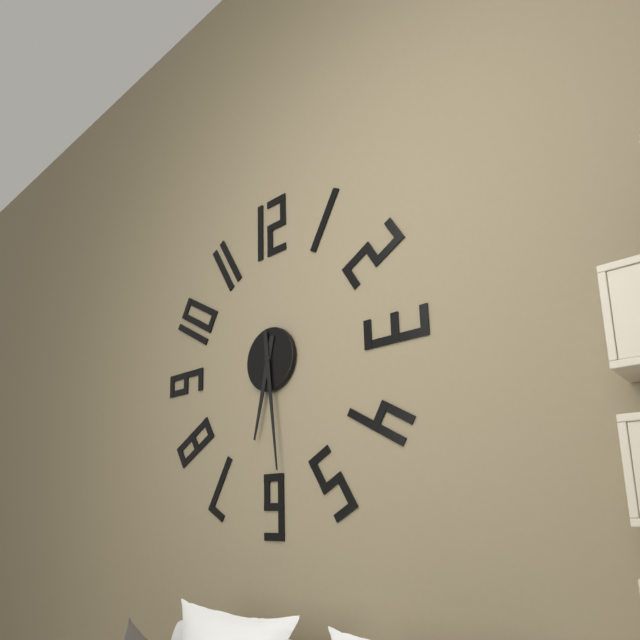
**6:29**
